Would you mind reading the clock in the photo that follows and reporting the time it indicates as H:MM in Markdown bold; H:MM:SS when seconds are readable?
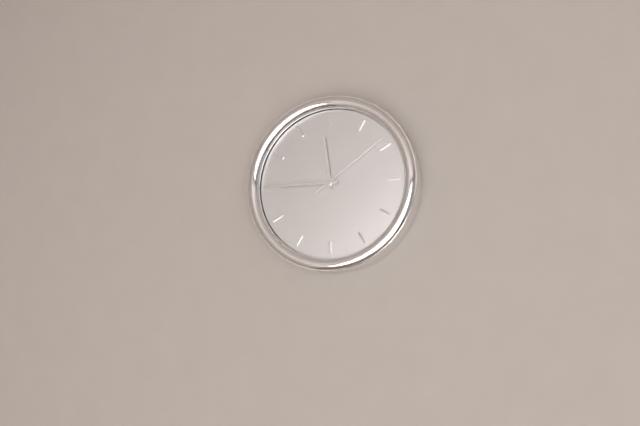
**11:45:09**
